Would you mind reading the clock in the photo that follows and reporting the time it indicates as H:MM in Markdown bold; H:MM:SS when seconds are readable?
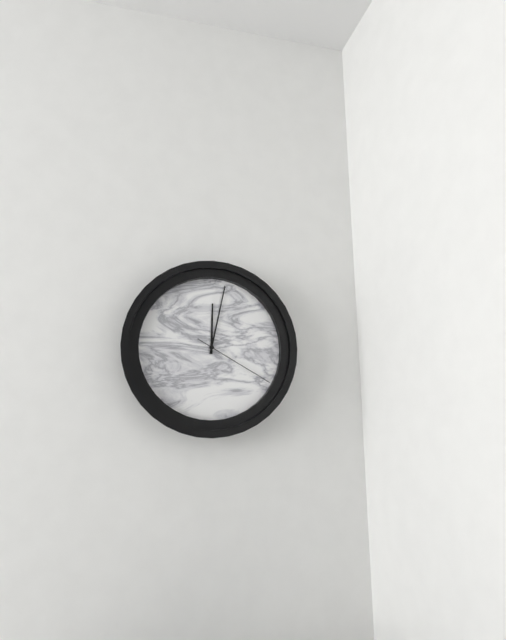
**12:02:20**
